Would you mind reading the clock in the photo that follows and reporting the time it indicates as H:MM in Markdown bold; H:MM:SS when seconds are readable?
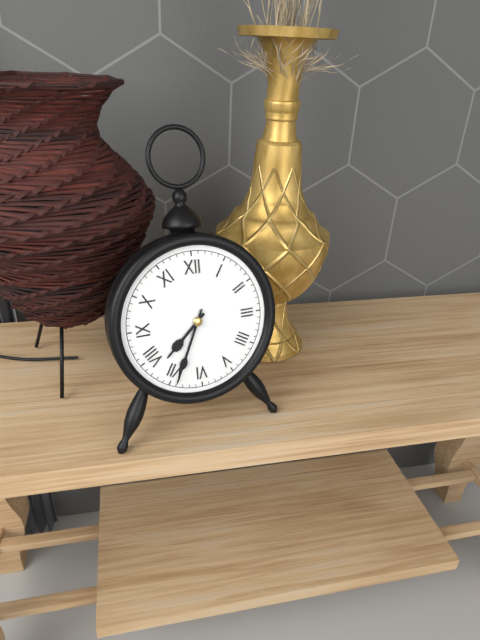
**7:34**
